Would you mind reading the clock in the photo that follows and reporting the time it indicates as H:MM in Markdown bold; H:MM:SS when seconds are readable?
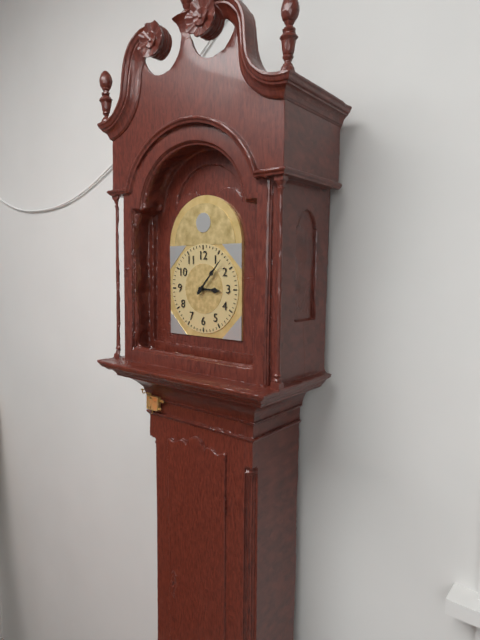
**3:07**
